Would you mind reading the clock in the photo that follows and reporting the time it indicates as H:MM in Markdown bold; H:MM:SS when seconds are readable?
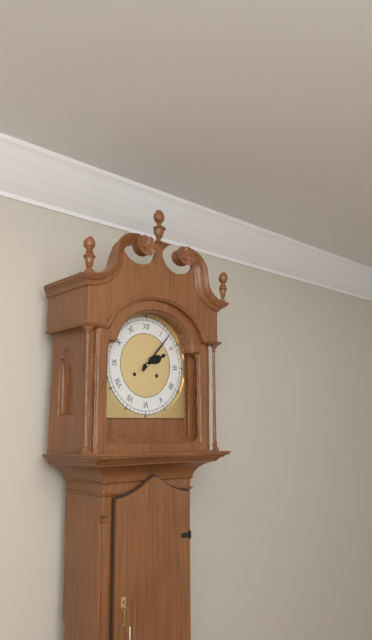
**2:07**
